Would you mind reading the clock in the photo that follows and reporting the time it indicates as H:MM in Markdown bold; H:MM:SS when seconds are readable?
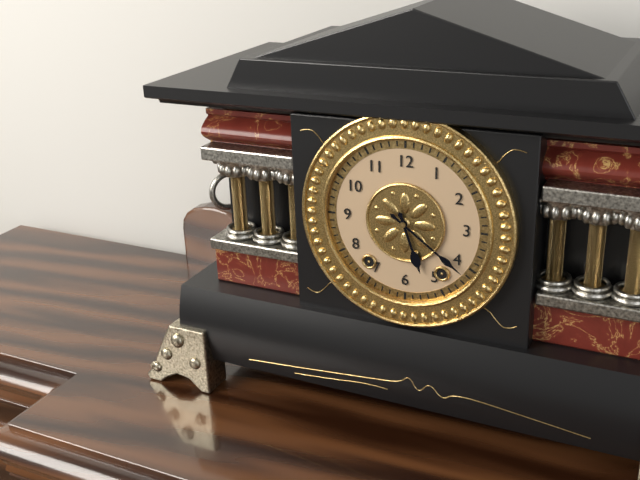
**5:21**
